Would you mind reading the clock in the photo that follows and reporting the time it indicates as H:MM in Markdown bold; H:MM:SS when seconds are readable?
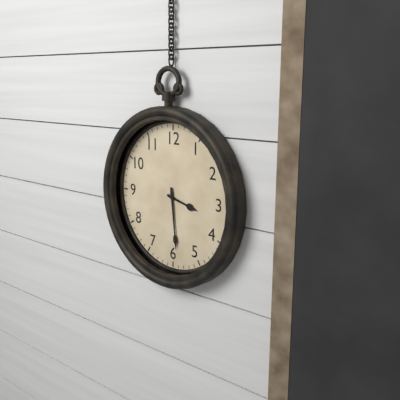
**3:29**
